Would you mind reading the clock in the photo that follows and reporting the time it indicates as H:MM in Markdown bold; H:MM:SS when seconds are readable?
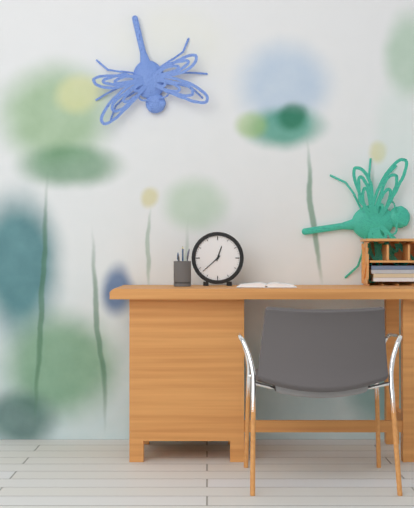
**12:38**
